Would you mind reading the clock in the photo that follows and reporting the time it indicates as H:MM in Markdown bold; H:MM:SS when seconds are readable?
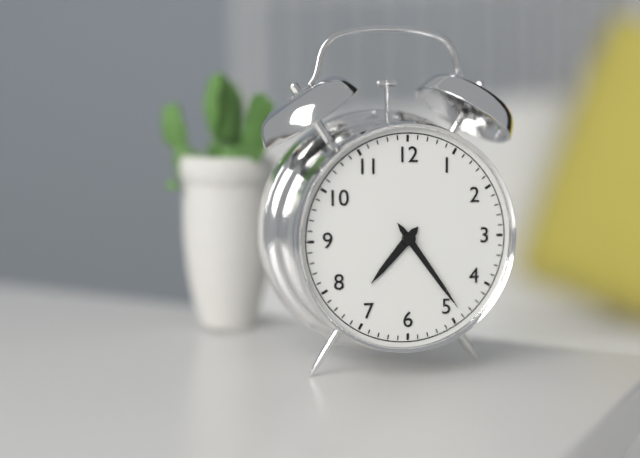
**7:24**
